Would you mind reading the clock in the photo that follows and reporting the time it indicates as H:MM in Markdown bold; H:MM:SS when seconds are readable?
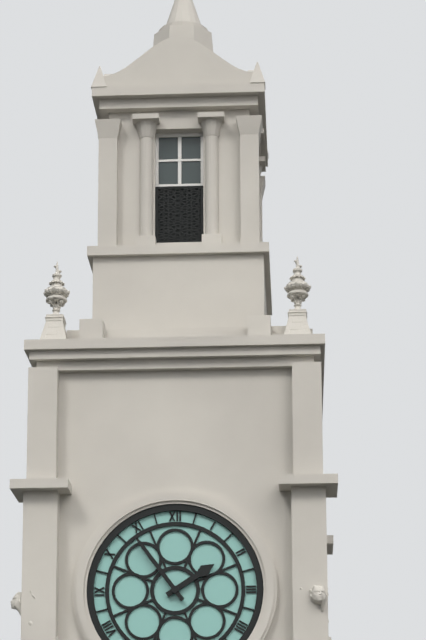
**1:54**
